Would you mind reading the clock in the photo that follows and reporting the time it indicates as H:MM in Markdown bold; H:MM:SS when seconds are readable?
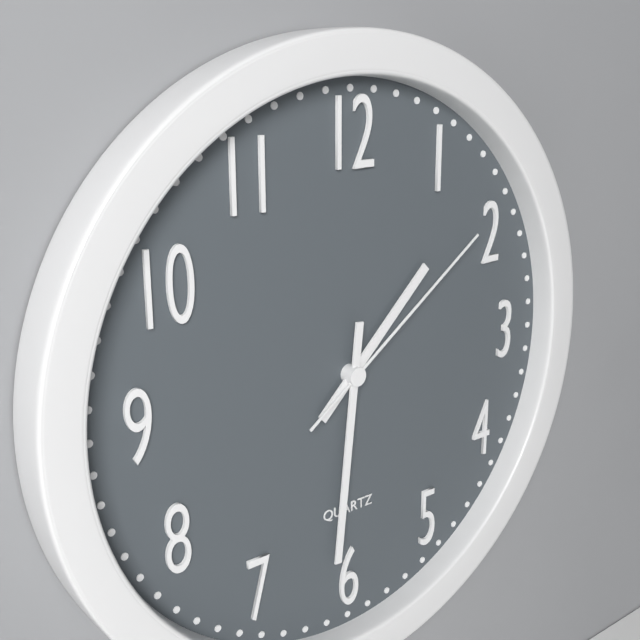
**1:31:09**
